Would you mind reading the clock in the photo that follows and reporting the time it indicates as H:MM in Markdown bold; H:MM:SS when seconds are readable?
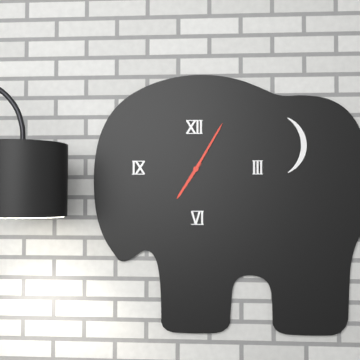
**7:05**
